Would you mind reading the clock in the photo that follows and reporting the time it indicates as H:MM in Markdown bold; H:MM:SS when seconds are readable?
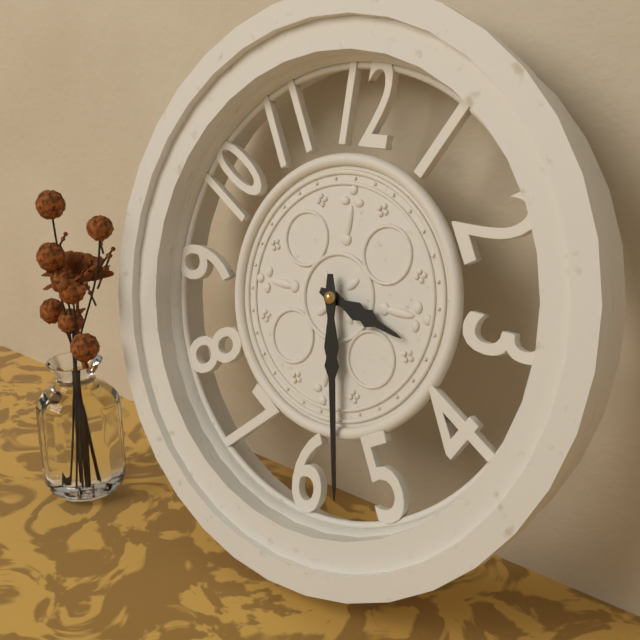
**3:28**
